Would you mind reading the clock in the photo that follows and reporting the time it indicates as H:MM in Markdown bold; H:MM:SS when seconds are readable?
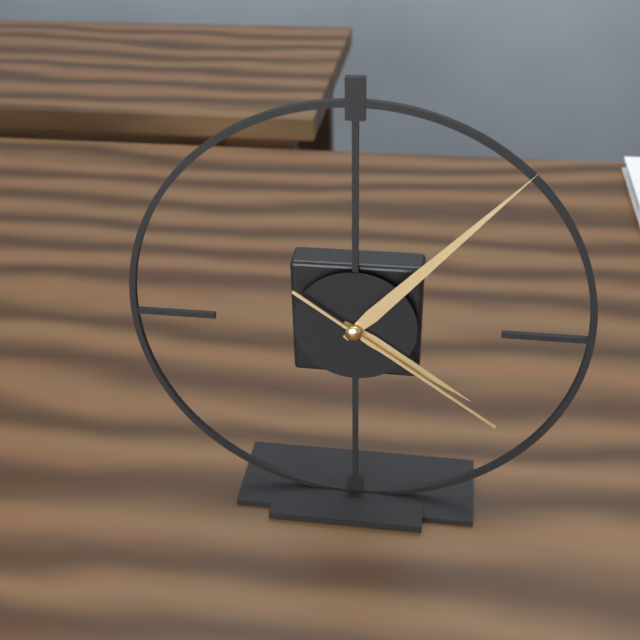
**4:07:21**
